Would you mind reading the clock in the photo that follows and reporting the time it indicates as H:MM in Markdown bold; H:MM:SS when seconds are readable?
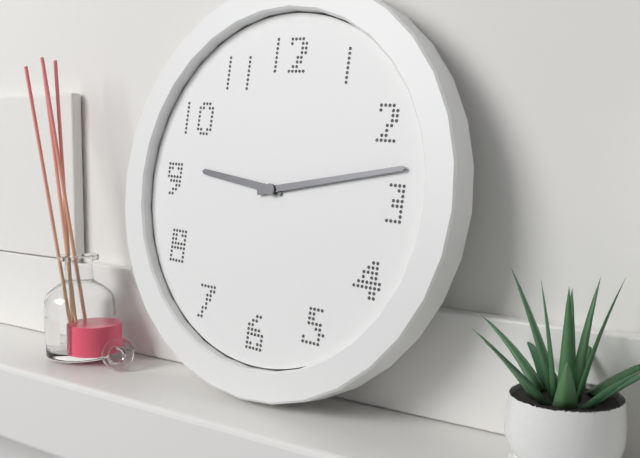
**9:13**
